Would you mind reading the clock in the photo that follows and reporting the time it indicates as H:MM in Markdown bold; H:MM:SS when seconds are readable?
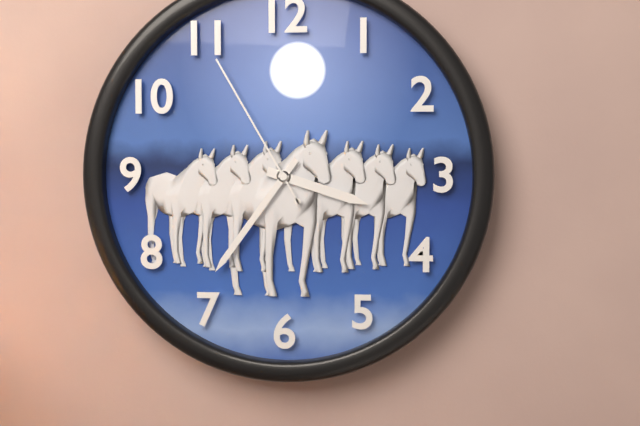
**3:36:55**
